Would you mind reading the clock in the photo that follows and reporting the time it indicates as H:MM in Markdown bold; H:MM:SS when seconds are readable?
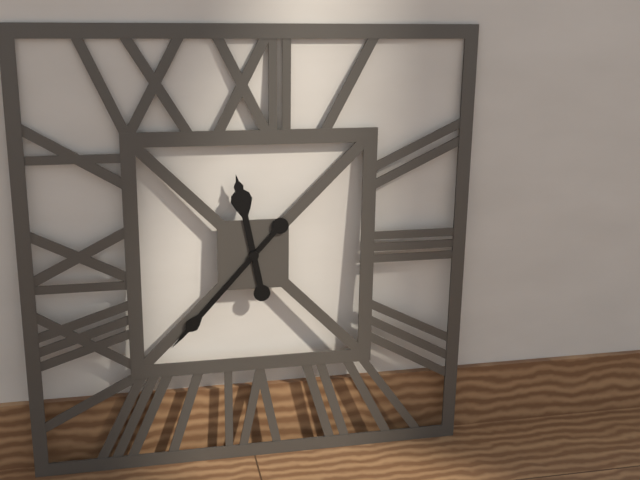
**11:37**
